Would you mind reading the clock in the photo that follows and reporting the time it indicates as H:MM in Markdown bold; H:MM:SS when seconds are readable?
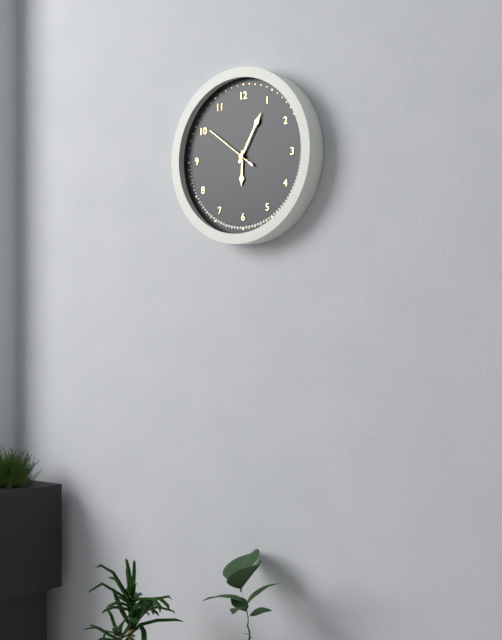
**6:05:51**
